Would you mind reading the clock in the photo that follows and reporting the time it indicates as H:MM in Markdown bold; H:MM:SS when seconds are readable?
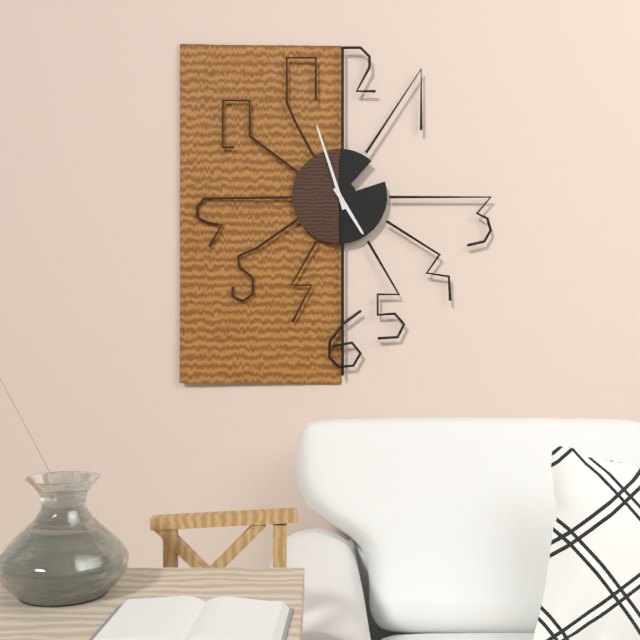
**4:57**
